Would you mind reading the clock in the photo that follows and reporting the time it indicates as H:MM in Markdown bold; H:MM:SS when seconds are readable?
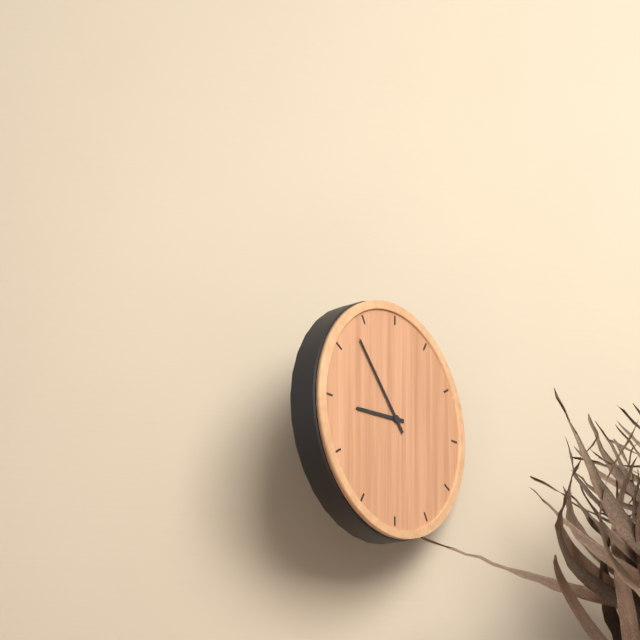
**8:53**
